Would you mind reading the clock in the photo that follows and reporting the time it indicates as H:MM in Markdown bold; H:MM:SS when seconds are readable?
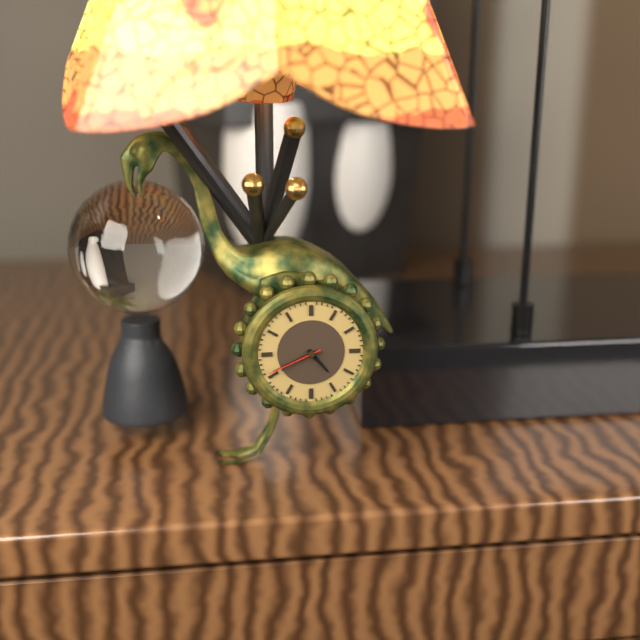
**4:41:41**
